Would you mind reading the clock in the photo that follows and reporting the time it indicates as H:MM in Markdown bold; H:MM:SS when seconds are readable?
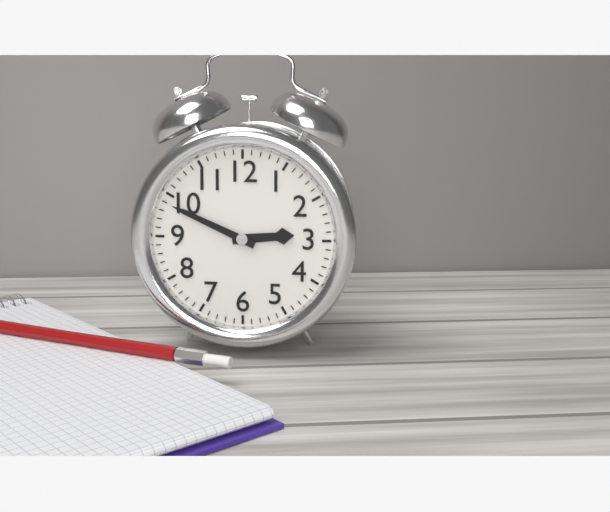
**2:49**
